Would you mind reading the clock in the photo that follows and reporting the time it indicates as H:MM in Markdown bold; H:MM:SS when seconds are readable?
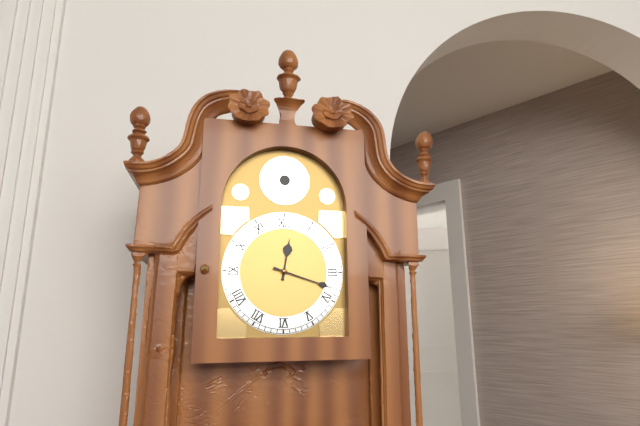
**12:18**
